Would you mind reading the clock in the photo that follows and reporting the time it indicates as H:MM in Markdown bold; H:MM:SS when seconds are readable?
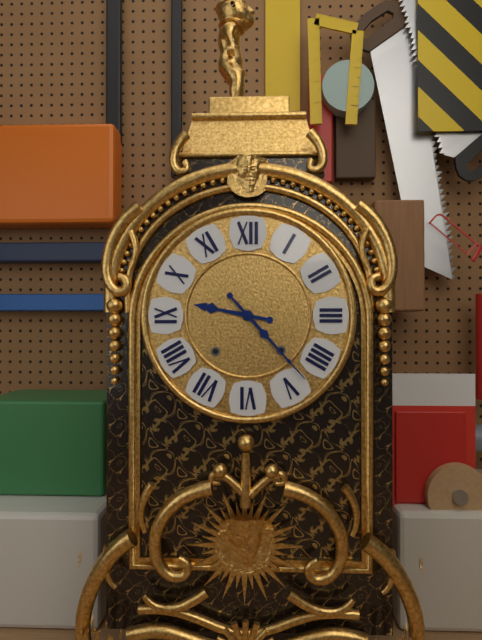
**9:23**
